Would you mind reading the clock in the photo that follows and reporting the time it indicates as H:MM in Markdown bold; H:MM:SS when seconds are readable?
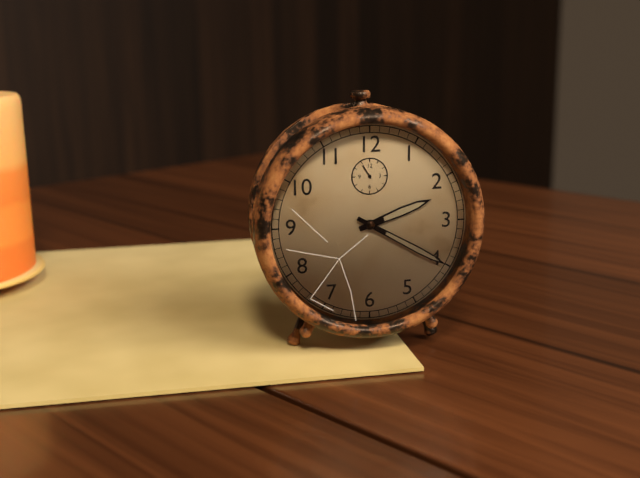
**2:20**
